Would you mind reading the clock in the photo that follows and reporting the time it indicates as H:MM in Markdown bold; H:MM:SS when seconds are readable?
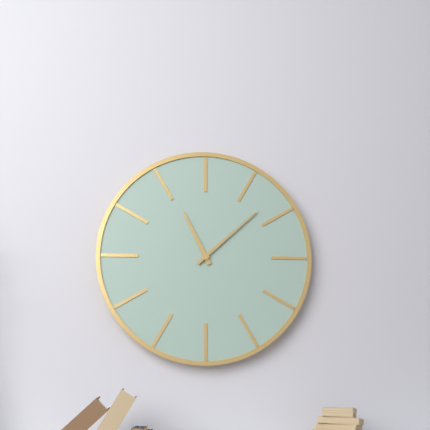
**11:08**
